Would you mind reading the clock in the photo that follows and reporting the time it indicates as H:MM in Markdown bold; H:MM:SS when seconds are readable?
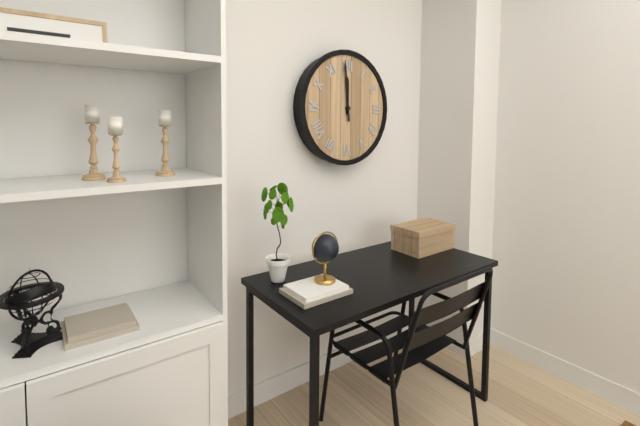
**11:59**
